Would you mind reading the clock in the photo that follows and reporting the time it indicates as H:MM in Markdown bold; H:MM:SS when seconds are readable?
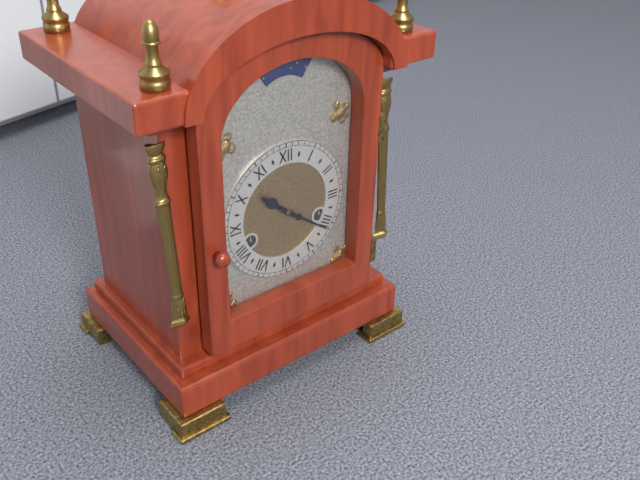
**10:21**
